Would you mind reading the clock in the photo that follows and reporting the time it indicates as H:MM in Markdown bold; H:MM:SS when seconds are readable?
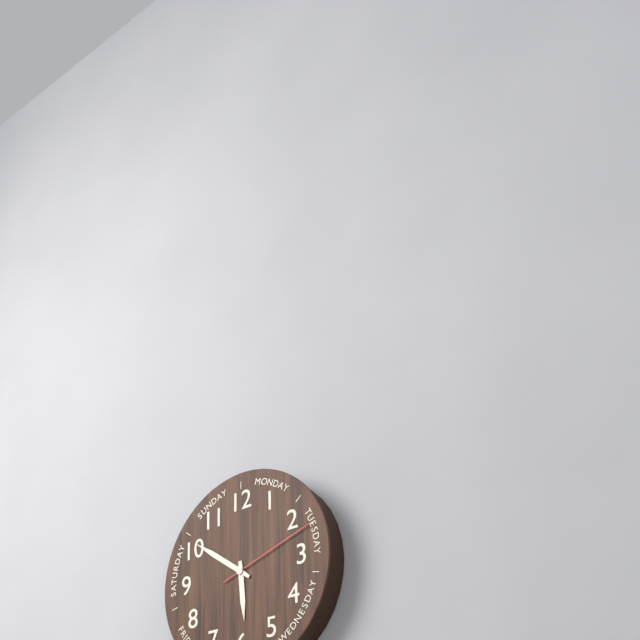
**5:51:12**
